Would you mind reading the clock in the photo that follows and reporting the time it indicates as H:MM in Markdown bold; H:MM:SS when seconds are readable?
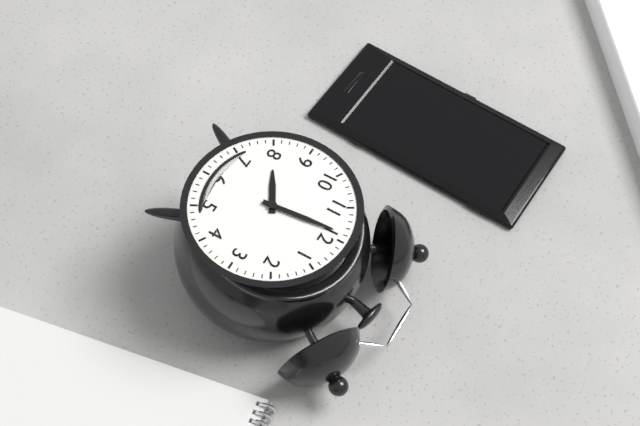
**7:59**
